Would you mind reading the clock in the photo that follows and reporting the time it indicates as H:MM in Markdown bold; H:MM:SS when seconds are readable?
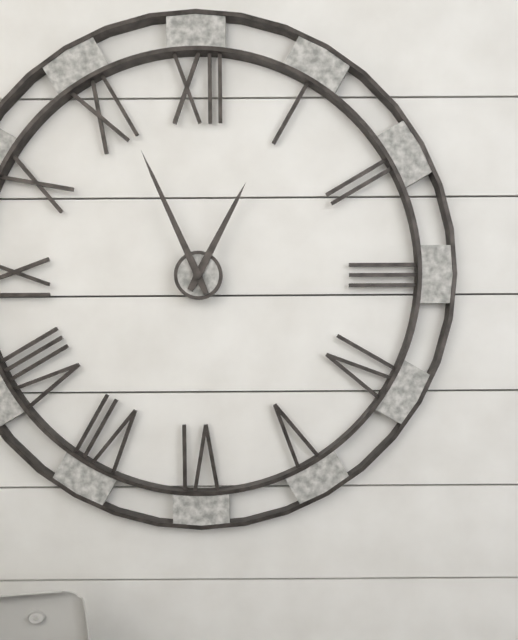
**12:56**
